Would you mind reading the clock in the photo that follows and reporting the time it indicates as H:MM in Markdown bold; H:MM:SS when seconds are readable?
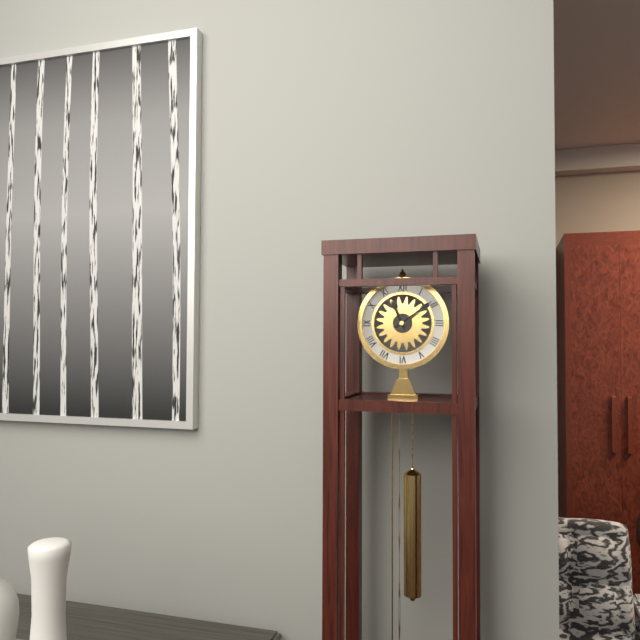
**11:09**
